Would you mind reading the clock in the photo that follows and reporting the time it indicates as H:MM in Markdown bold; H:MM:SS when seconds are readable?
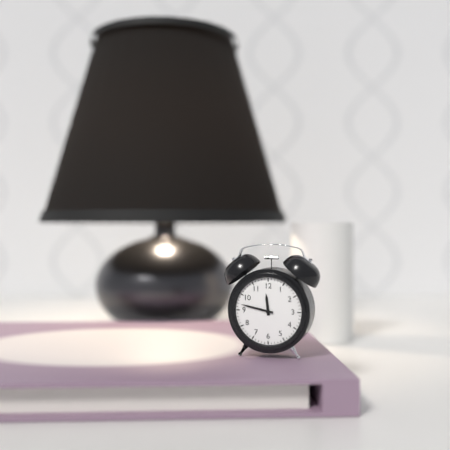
**11:47**
